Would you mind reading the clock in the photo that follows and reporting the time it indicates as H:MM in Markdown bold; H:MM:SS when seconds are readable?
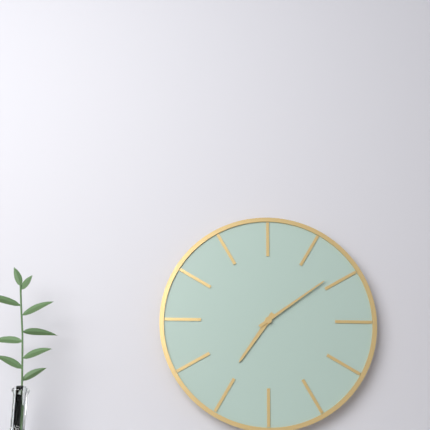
**7:09**
